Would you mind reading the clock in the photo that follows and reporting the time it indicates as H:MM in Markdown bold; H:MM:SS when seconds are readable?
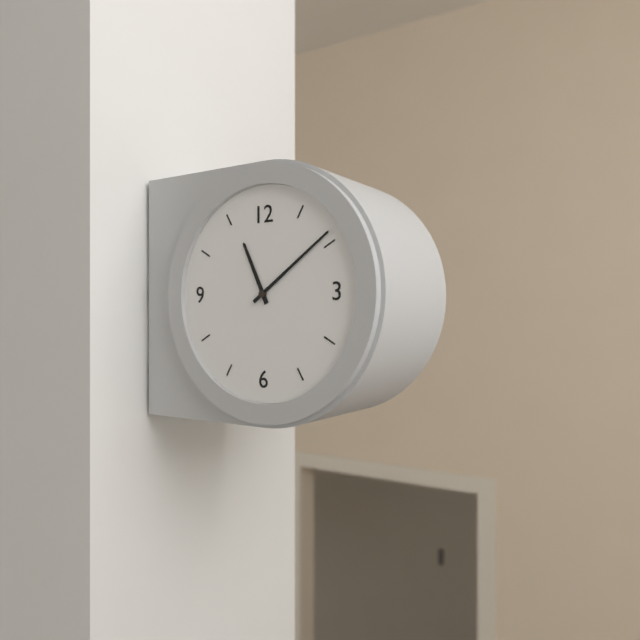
**11:09**
